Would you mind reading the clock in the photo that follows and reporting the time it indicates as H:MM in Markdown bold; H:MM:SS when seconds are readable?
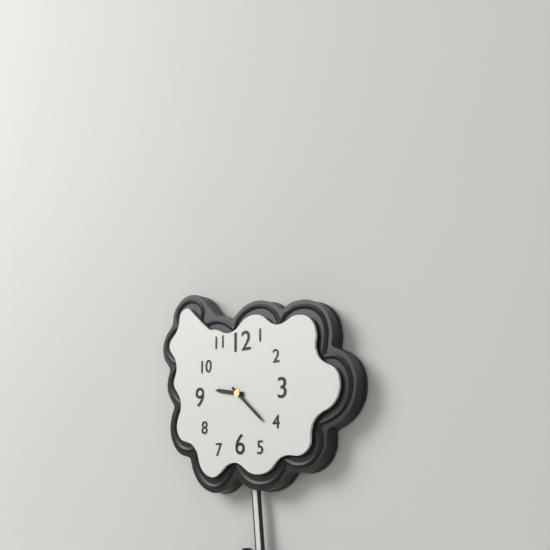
**9:22**
